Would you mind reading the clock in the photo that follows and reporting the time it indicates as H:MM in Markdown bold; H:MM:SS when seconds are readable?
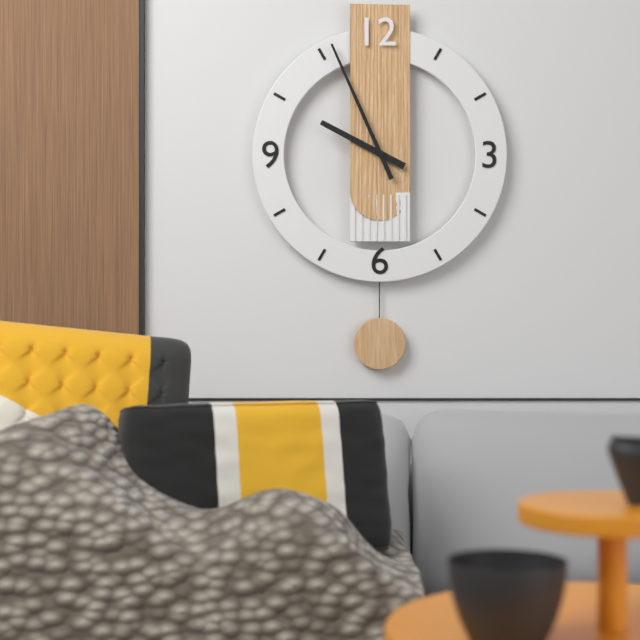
**9:56**
